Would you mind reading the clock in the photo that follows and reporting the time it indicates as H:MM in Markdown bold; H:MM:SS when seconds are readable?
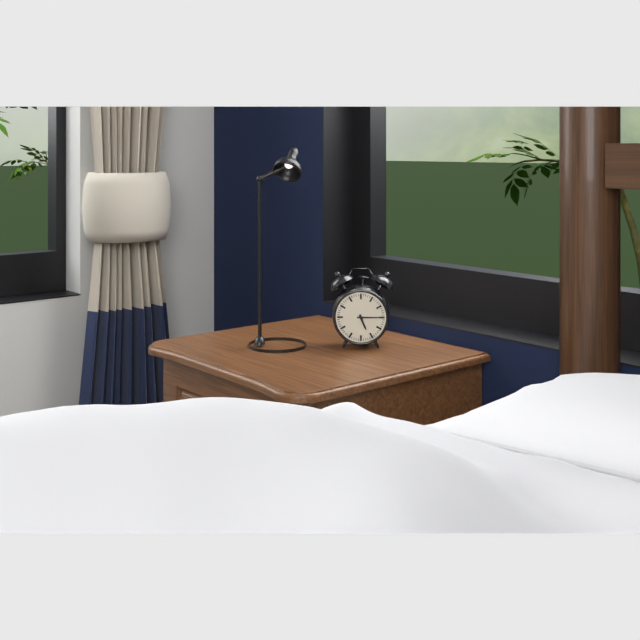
**5:15**
